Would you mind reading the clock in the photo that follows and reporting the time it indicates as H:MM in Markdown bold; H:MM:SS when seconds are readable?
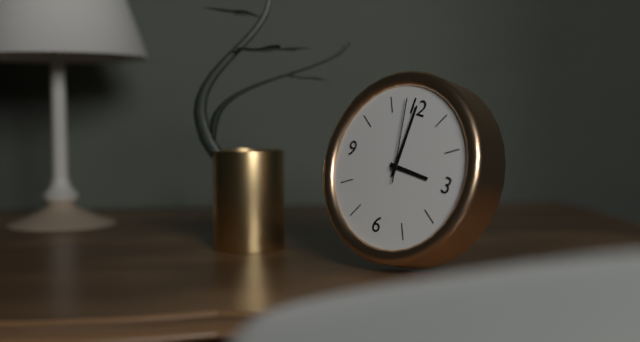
**3:00:58**
